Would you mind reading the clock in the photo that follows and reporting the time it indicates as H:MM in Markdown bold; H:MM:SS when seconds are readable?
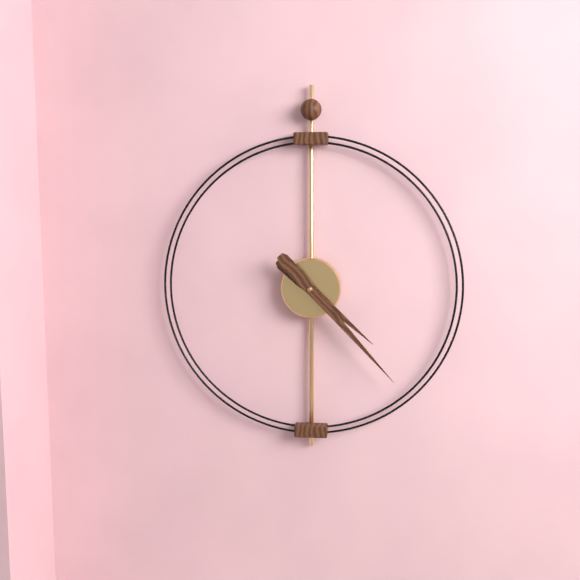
**4:23**
